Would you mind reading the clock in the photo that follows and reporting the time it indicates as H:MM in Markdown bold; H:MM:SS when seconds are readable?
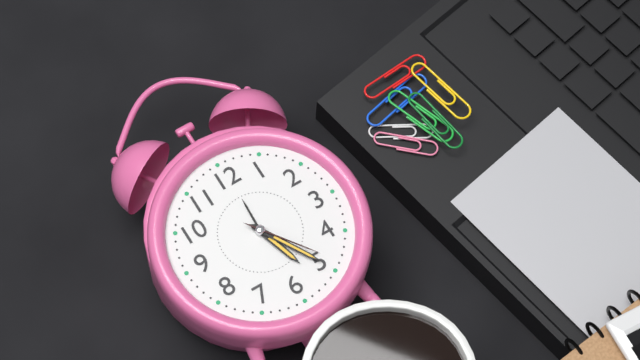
**5:25:24**
